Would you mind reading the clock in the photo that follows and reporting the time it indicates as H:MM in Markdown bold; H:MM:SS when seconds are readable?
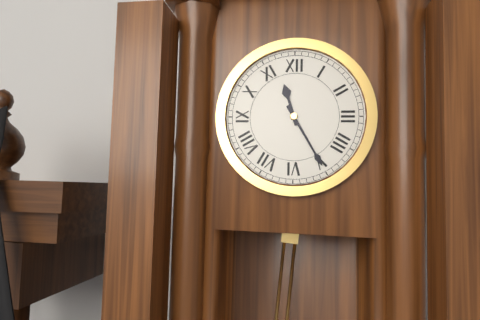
**11:25**
